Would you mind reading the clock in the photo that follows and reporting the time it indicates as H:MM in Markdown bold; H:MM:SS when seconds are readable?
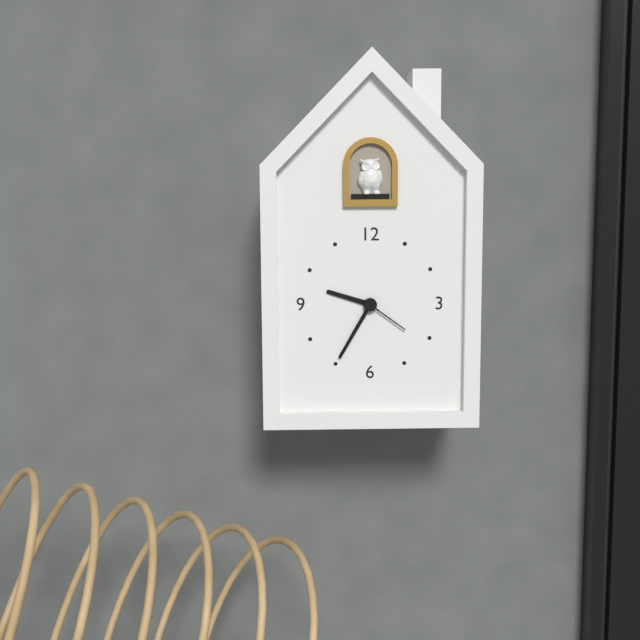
**9:35:21**
